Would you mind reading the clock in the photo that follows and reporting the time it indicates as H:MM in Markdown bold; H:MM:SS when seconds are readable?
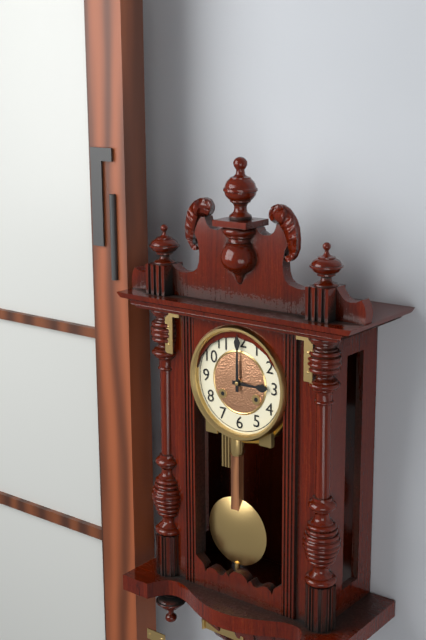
**3:00**
